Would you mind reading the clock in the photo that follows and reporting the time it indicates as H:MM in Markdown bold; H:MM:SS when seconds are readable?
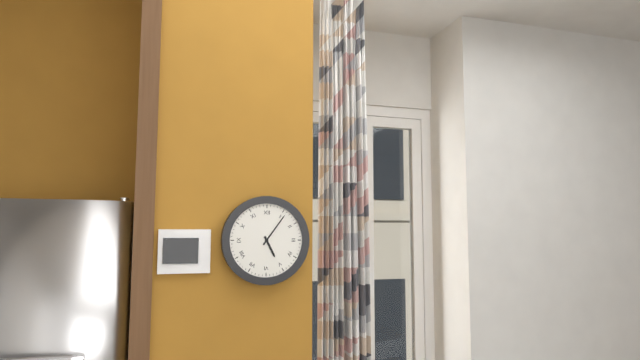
**5:06**
